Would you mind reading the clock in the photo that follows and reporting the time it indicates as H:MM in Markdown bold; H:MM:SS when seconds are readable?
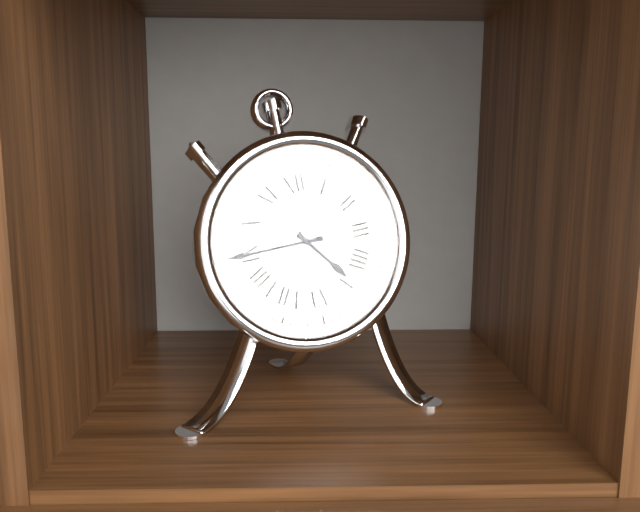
**4:45**
